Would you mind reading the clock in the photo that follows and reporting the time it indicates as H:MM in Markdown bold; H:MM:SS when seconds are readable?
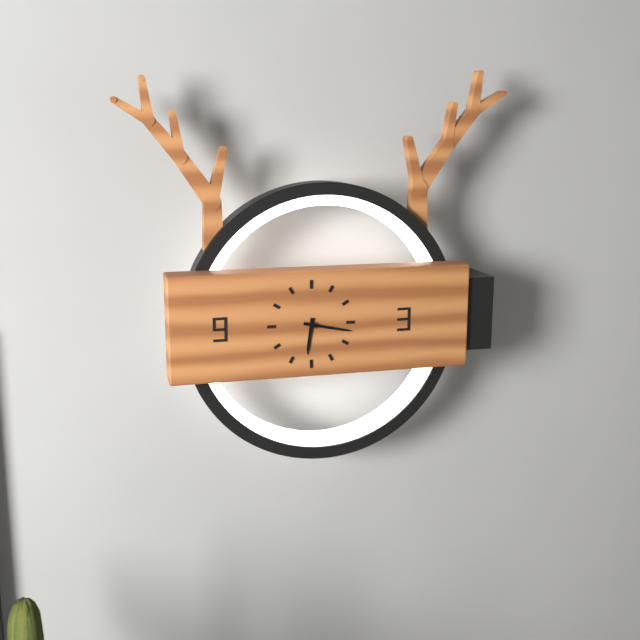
**6:17**
